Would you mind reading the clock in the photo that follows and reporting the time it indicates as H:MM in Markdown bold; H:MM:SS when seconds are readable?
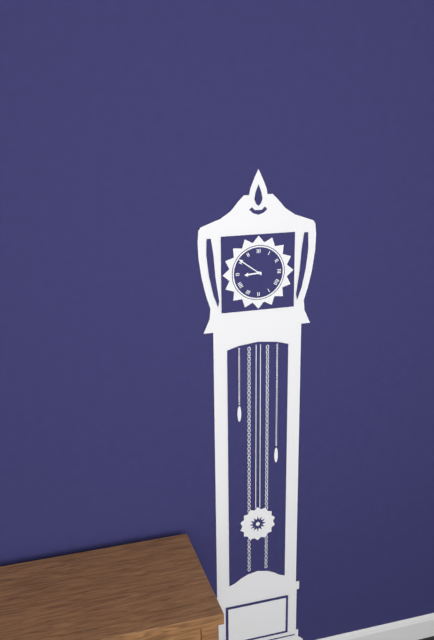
**8:51**
